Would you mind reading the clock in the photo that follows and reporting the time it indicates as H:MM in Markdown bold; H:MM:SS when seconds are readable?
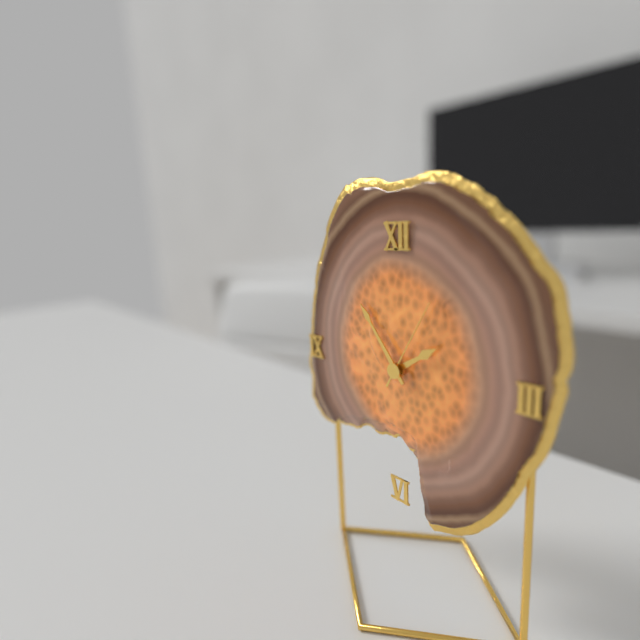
**1:54:05**
